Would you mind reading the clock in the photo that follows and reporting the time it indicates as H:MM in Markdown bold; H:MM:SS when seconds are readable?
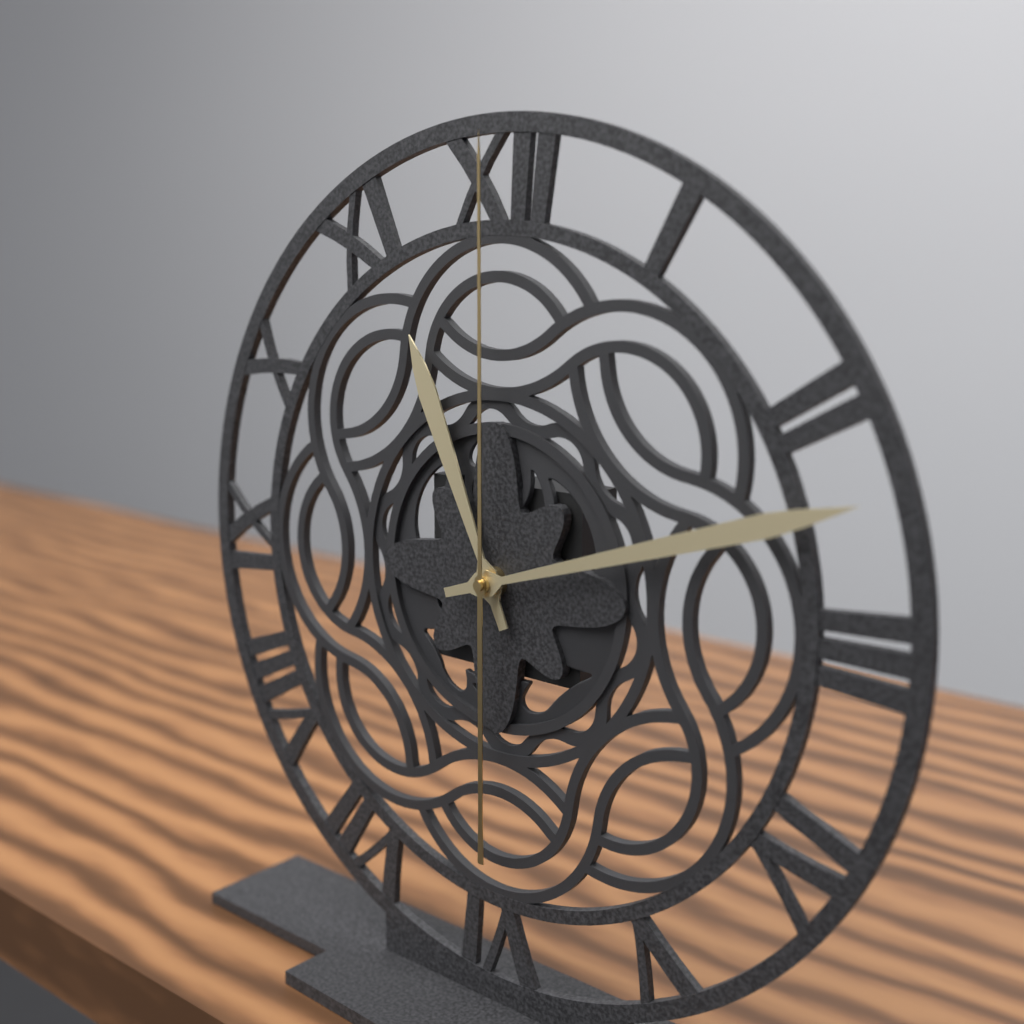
**11:12:00**
